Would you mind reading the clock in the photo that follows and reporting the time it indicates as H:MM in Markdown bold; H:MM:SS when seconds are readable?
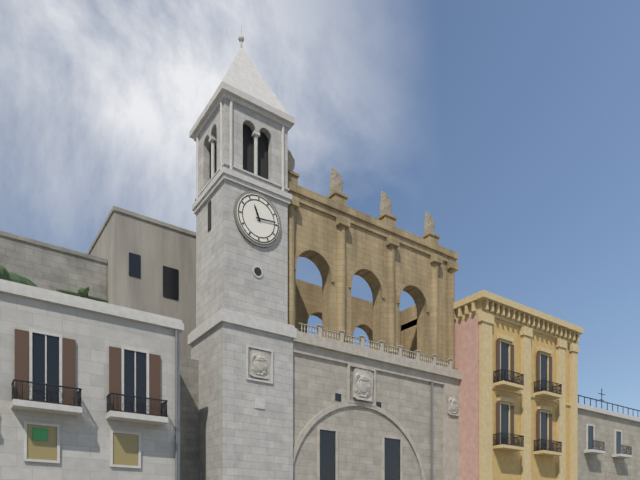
**11:14**
